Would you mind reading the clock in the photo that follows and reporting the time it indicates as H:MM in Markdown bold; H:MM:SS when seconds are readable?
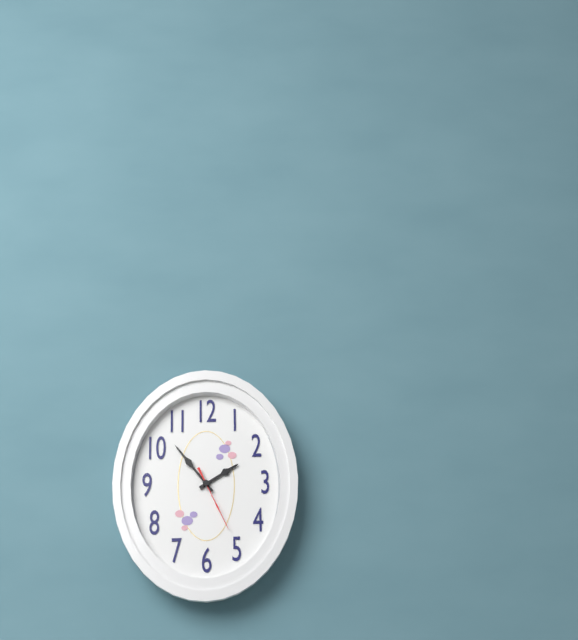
**1:54:26**
